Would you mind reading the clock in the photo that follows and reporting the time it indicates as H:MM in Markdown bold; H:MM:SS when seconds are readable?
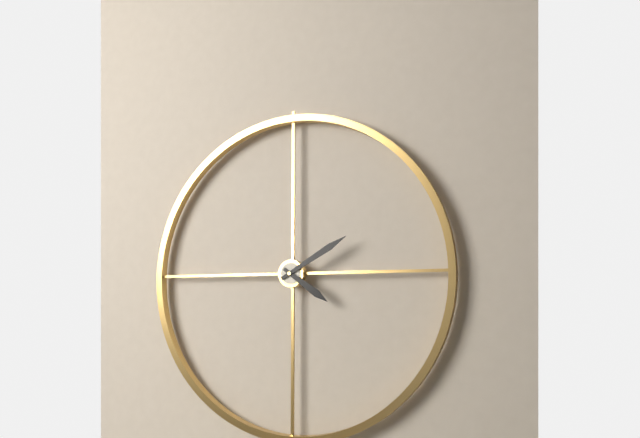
**4:10**
